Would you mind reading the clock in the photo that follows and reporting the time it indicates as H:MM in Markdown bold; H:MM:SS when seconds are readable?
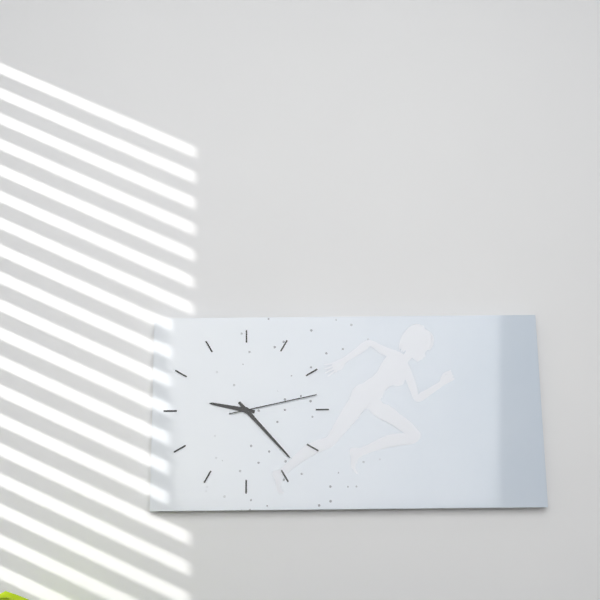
**9:23:13**
